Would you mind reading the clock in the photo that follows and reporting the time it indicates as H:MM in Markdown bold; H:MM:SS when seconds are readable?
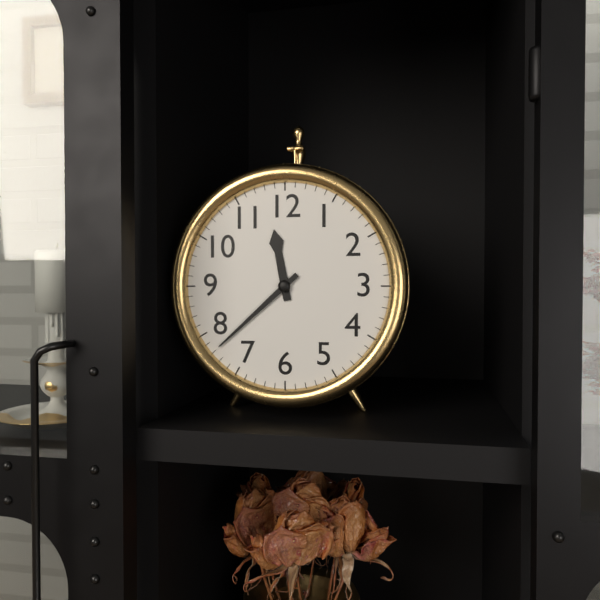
**11:38**
